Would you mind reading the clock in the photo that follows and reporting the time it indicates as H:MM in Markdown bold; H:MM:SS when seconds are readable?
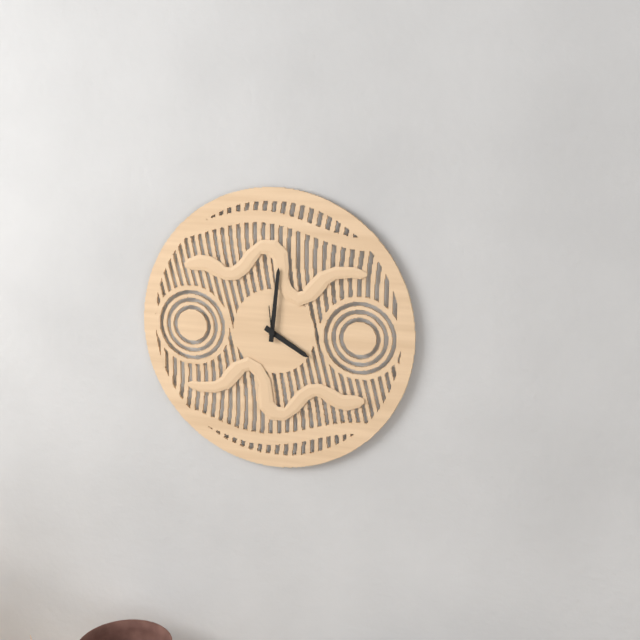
**4:01**
